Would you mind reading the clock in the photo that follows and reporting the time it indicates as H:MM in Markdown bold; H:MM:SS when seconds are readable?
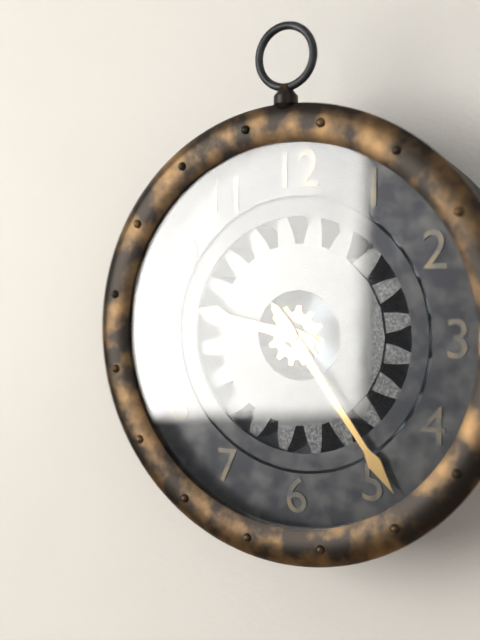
**9:24**
